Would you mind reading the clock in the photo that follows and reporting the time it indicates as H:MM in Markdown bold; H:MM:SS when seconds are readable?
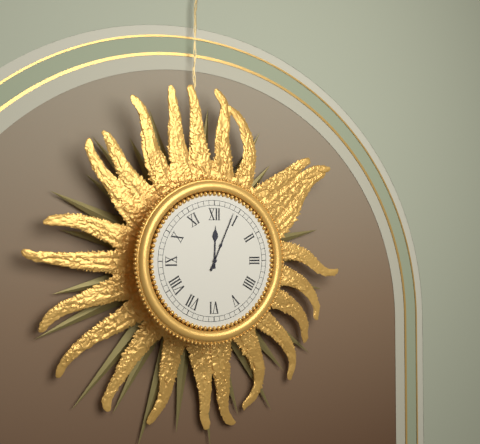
**12:04**
